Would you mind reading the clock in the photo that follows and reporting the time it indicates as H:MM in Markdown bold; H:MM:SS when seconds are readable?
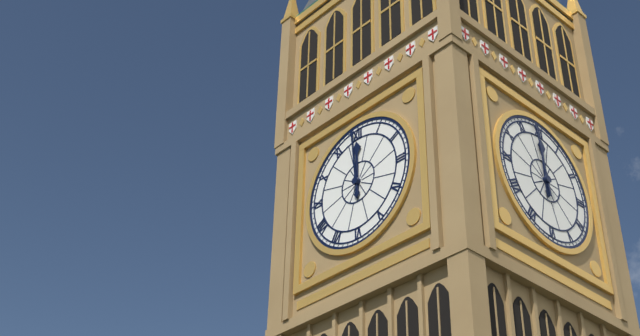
**11:59**
